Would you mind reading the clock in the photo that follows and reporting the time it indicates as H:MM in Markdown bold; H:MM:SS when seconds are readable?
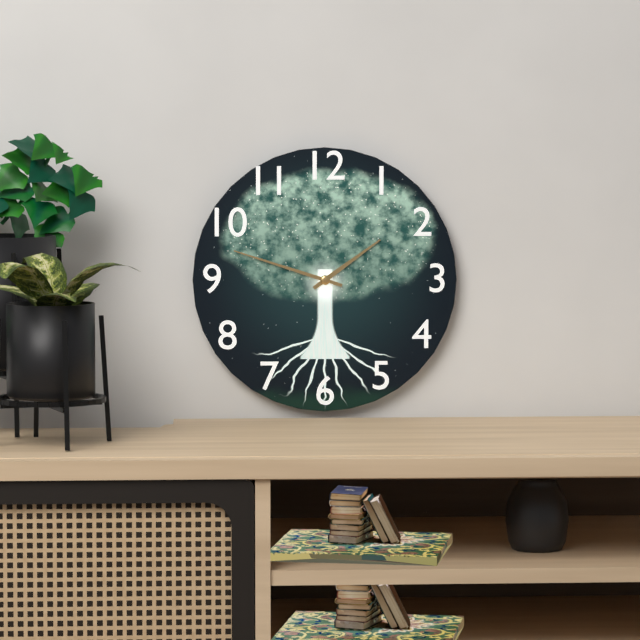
**1:48**
